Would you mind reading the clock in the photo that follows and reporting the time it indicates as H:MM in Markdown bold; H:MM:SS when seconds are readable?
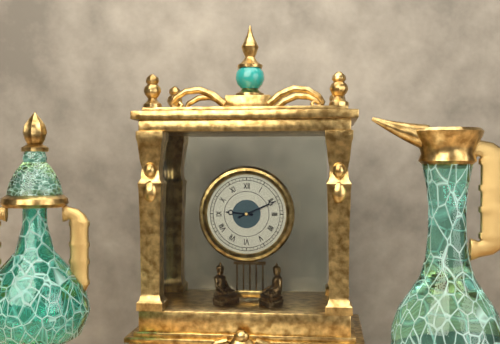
**9:11**
